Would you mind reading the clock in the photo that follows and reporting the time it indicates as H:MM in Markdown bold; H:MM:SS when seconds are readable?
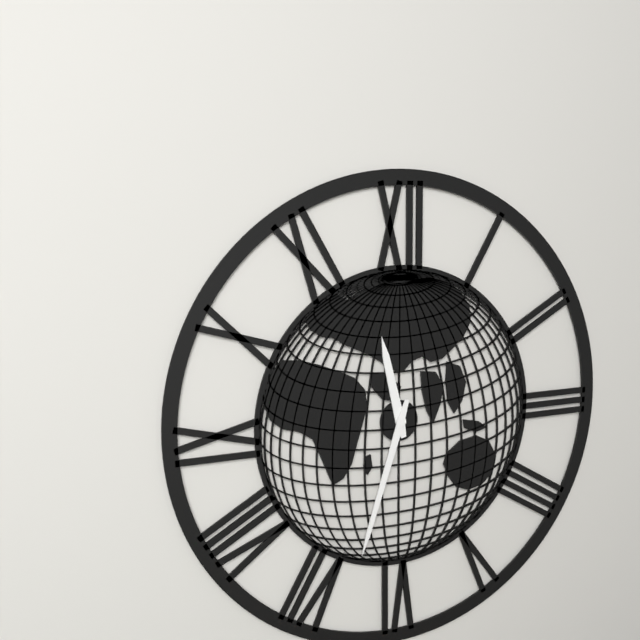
**11:33**
